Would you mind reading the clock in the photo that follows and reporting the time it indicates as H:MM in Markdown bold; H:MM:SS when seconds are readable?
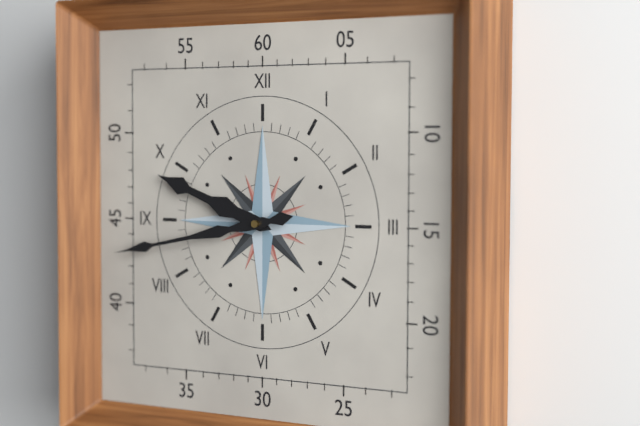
**9:43**
